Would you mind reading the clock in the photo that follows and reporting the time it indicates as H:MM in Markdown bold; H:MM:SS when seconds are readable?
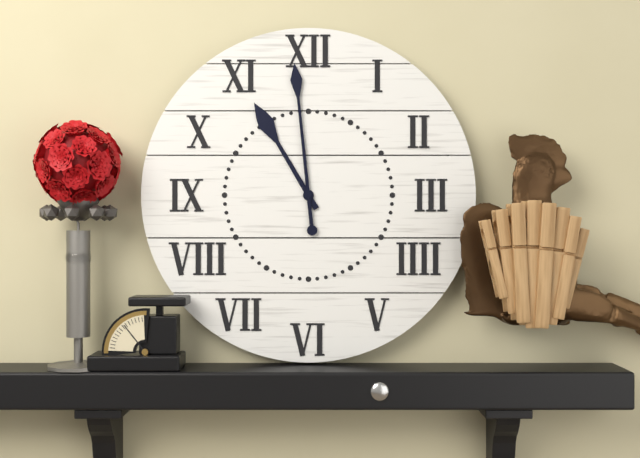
**10:59**
